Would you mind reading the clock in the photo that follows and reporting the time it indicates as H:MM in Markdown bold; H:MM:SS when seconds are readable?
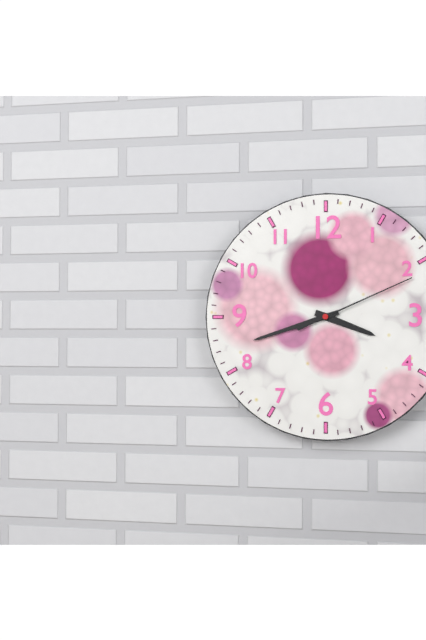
**3:42:11**
